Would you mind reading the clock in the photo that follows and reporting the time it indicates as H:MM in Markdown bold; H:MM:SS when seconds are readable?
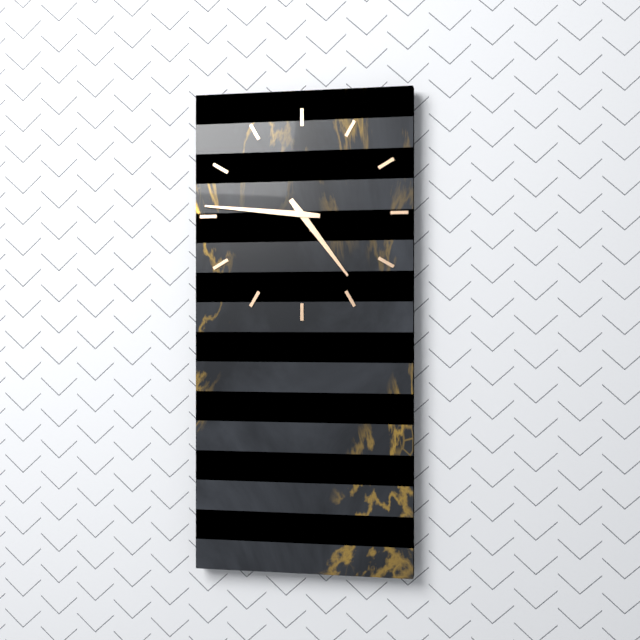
**4:46**
